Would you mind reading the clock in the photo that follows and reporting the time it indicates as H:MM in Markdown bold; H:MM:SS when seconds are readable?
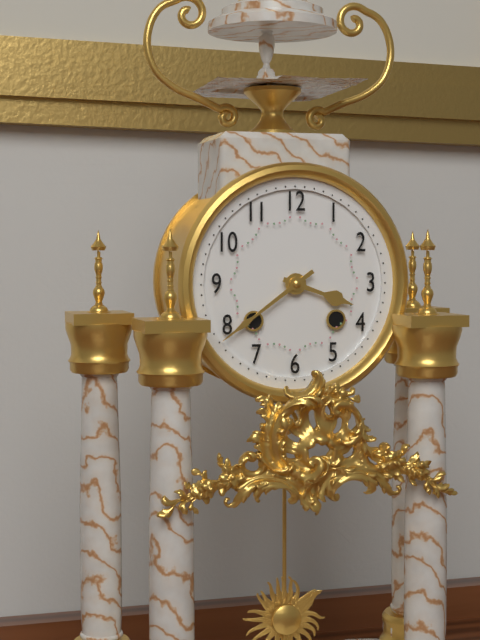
**3:39**
